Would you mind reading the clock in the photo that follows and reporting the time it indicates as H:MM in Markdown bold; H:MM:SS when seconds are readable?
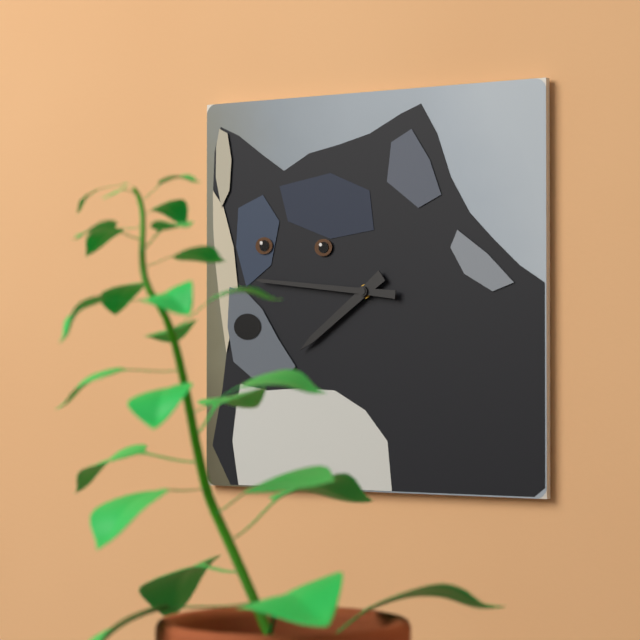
**7:46**
